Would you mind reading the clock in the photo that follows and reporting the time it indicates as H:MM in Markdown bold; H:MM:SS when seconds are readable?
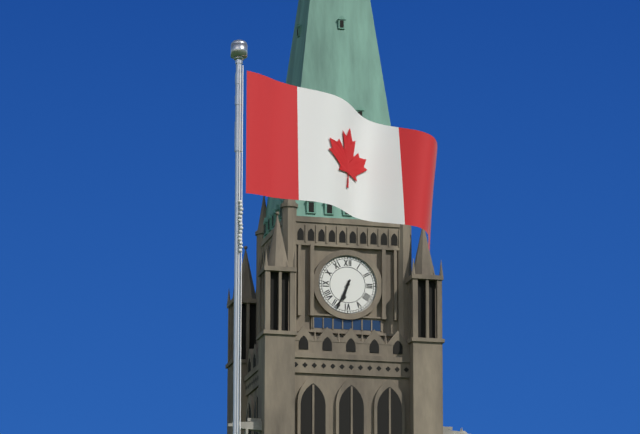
**6:34**
